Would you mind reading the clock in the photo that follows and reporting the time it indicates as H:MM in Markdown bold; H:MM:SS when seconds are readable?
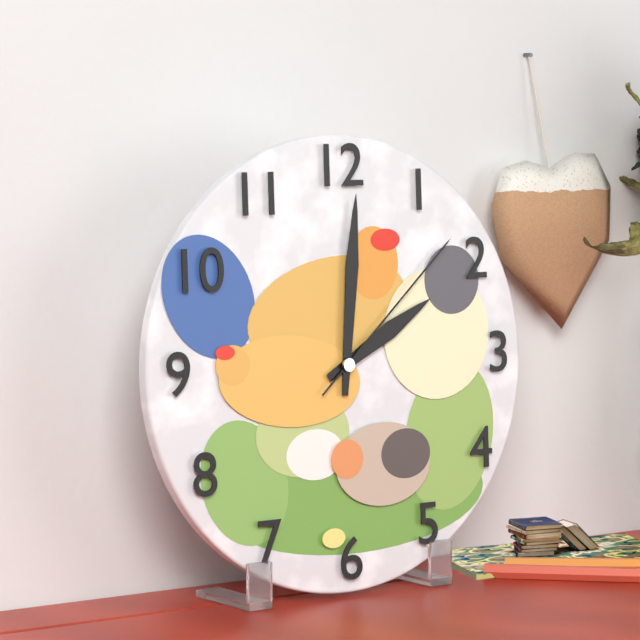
**2:01:08**
